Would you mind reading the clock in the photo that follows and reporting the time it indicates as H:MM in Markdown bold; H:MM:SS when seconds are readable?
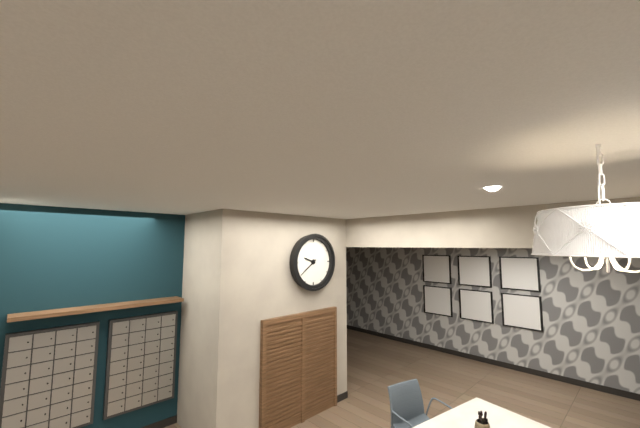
**9:39**
